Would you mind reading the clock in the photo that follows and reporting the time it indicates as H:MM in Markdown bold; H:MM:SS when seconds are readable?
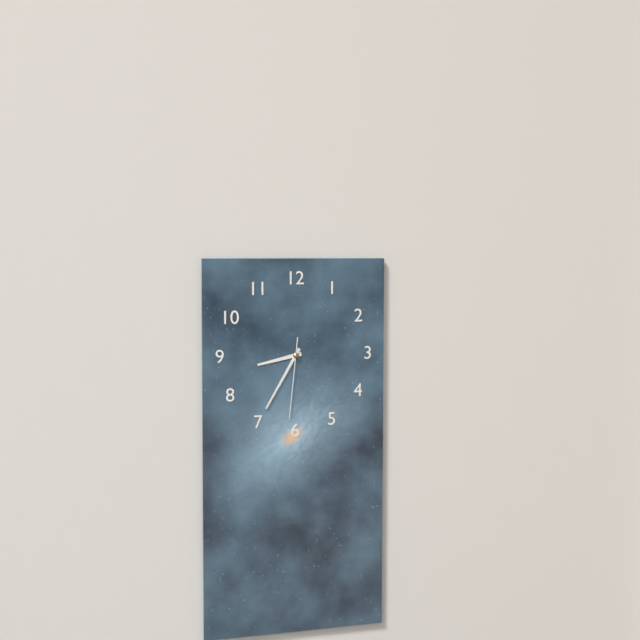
**8:35:31**
